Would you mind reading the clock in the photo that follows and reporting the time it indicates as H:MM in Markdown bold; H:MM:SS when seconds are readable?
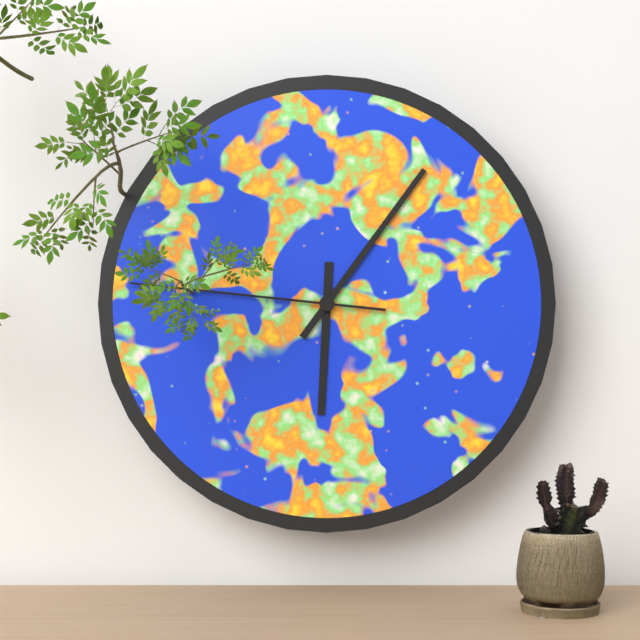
**6:06:46**
